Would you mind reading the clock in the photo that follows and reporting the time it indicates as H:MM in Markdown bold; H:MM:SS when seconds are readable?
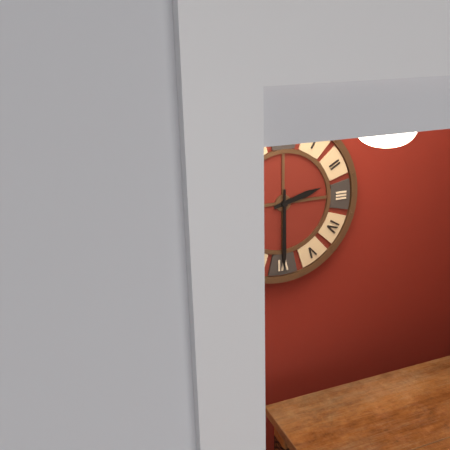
**2:30**
